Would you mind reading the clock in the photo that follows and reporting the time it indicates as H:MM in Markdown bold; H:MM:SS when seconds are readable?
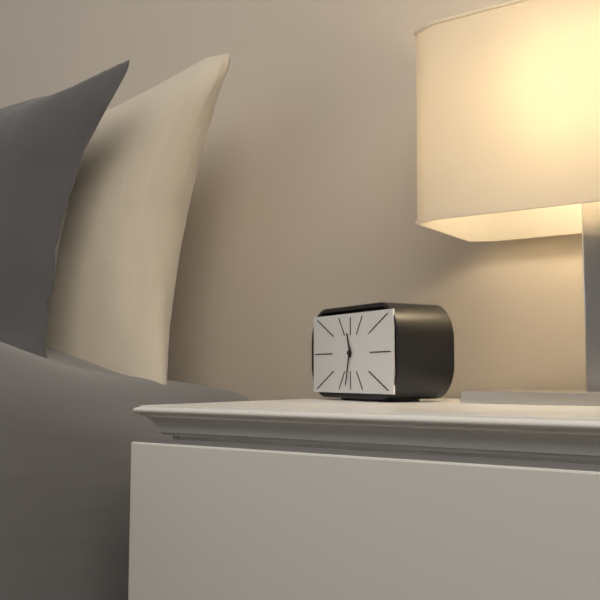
**11:32**
